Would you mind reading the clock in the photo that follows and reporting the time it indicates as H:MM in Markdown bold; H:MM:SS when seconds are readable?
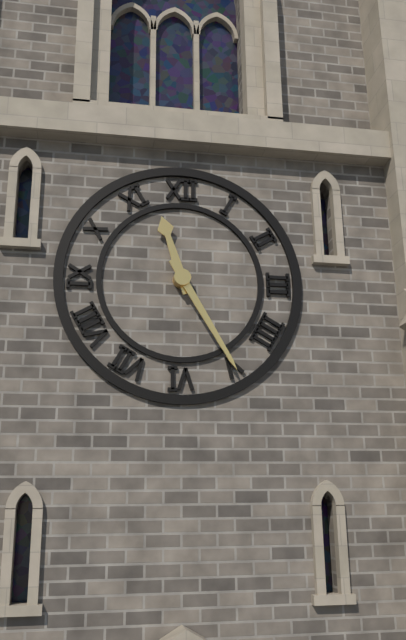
**11:25**
